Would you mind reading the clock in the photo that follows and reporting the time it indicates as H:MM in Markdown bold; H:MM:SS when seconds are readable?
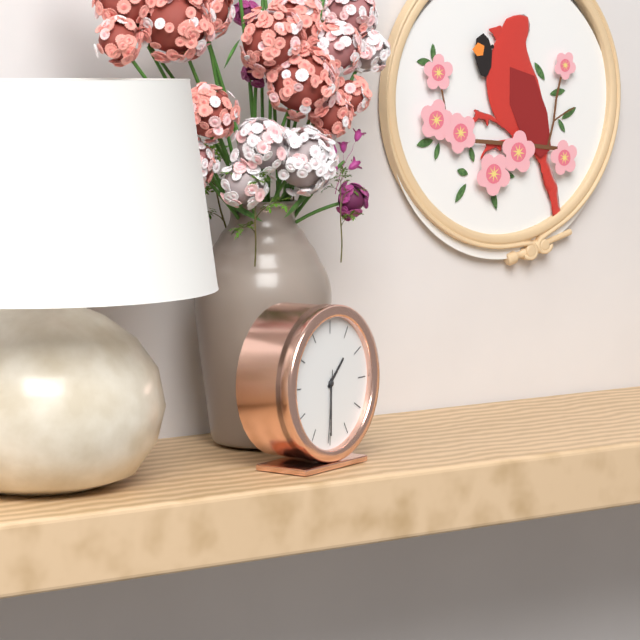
**1:30:31**
